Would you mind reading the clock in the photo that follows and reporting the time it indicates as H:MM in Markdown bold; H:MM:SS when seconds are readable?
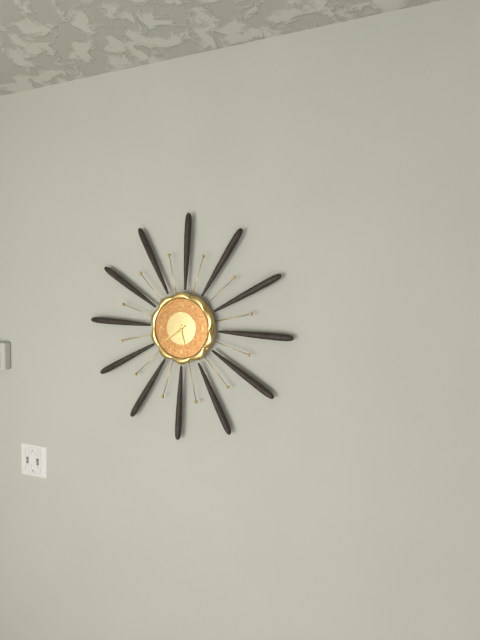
**5:39**
